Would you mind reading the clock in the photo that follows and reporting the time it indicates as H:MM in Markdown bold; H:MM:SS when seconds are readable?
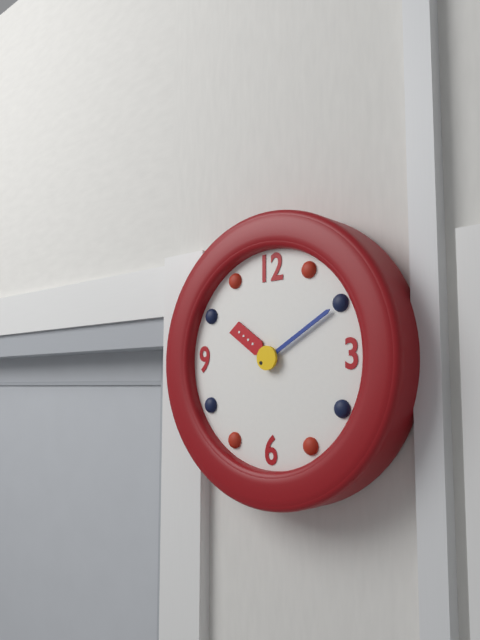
**10:10**
